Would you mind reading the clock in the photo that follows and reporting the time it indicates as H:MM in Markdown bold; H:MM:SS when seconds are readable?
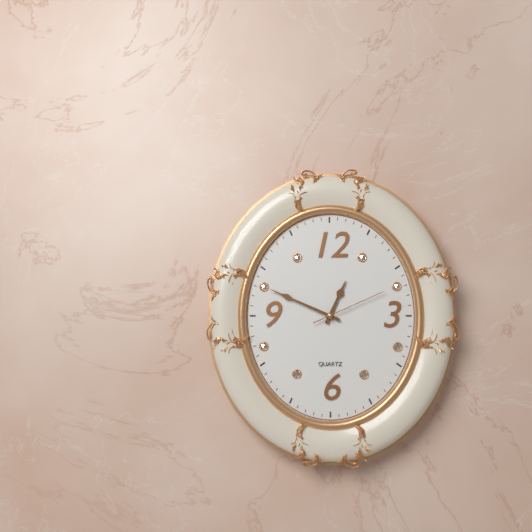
**12:49:11**
